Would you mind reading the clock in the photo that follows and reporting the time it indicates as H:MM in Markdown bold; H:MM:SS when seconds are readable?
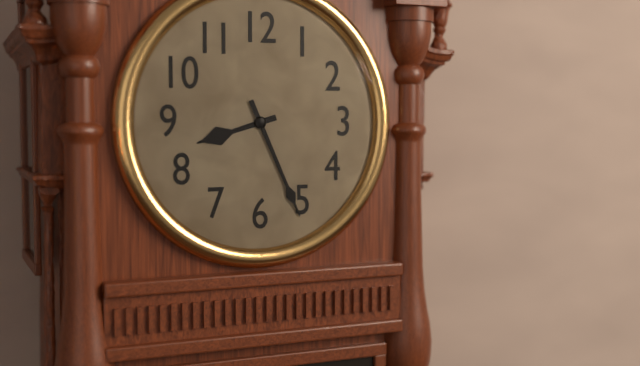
**8:26**
